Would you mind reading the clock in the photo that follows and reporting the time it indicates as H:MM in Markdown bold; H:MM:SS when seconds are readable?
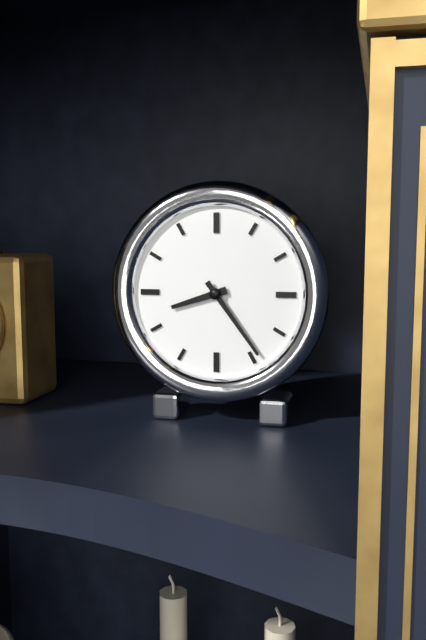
**8:24**
